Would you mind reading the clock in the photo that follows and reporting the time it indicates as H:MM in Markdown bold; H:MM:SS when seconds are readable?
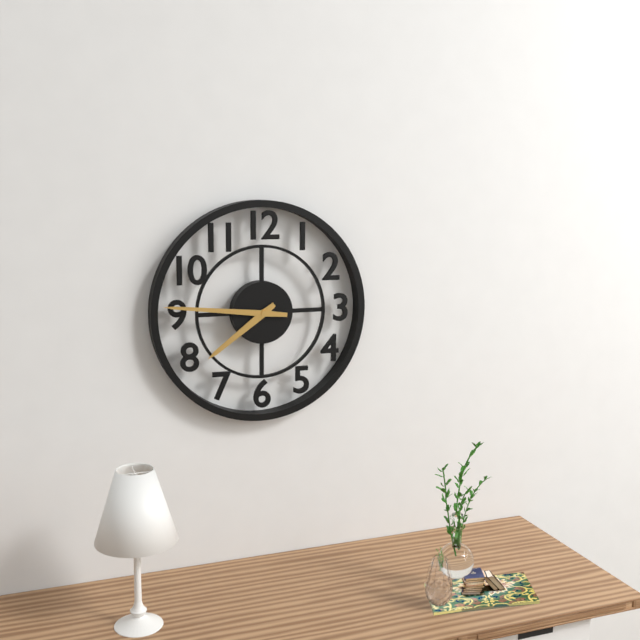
**7:46**
